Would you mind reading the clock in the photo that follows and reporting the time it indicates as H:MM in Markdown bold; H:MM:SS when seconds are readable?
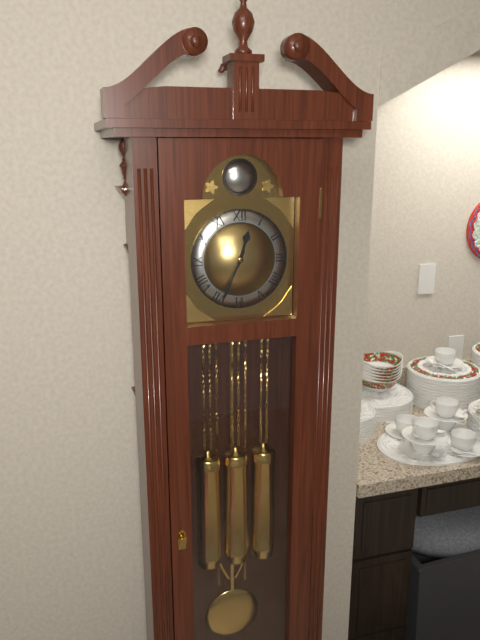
**12:34**
